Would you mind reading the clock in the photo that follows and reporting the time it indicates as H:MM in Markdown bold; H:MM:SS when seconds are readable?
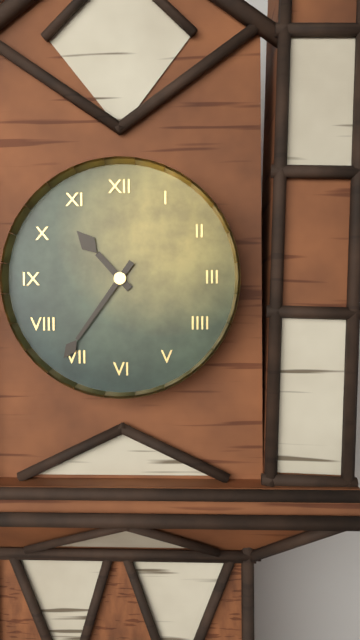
**10:36**
